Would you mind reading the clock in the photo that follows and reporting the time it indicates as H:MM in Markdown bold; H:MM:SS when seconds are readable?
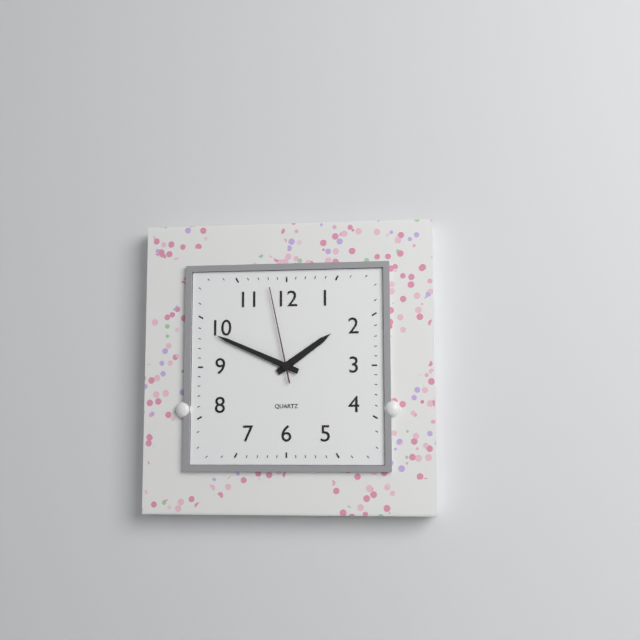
**1:49:58**
